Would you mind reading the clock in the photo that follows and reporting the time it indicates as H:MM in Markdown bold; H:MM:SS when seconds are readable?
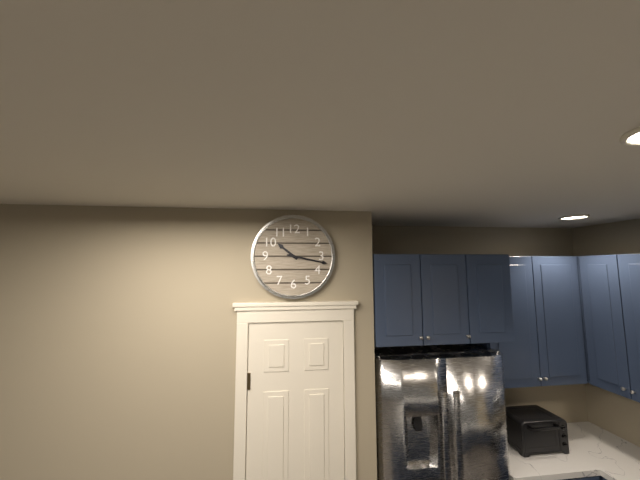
**10:17**
